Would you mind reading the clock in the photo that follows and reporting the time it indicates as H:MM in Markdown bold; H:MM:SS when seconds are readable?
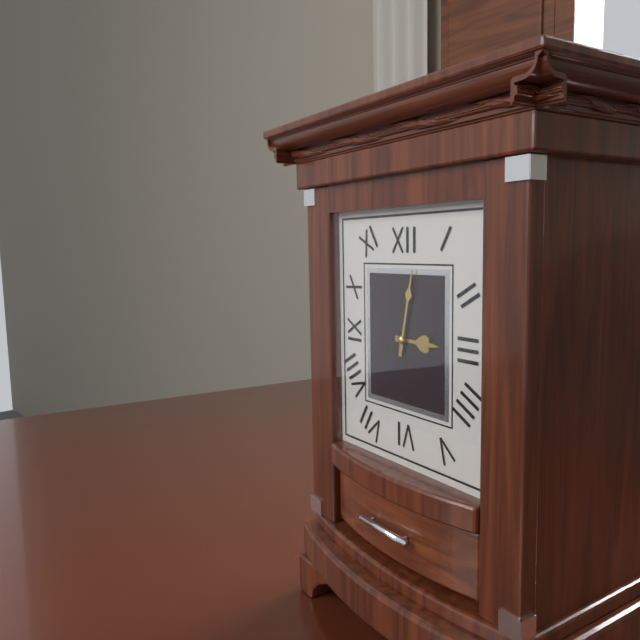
**3:02**
